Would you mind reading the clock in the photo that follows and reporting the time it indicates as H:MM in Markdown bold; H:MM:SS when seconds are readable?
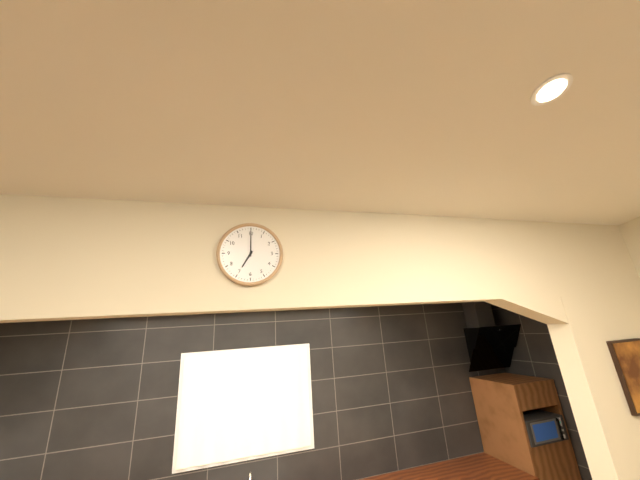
**7:00**
